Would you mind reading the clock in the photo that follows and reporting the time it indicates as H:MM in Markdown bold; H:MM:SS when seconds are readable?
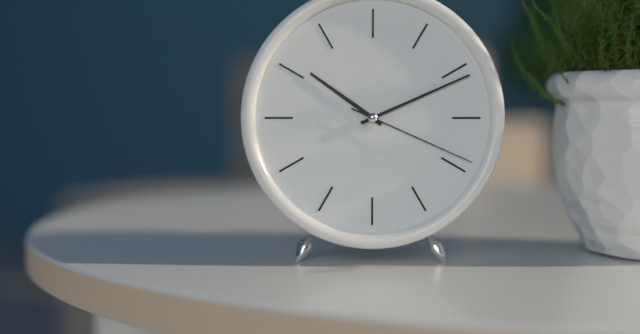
**10:11:19**
